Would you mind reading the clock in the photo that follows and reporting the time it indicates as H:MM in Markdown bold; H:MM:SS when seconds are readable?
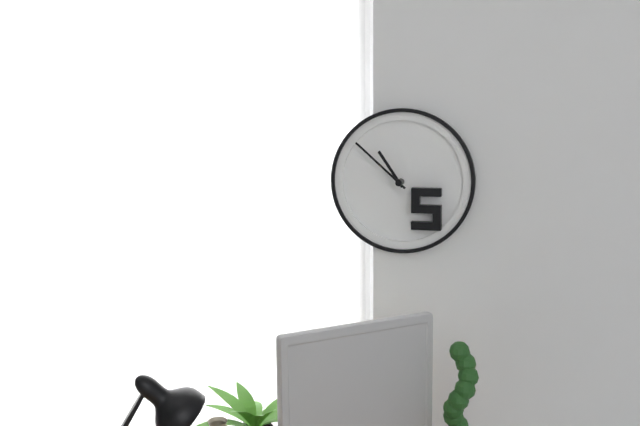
**10:52**
